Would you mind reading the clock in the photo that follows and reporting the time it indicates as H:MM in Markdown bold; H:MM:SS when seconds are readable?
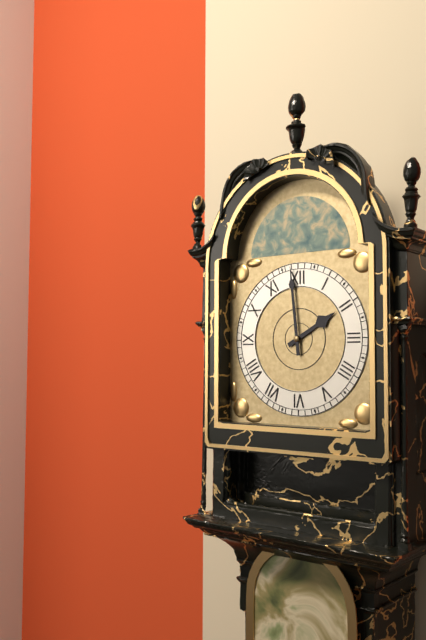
**1:59**
